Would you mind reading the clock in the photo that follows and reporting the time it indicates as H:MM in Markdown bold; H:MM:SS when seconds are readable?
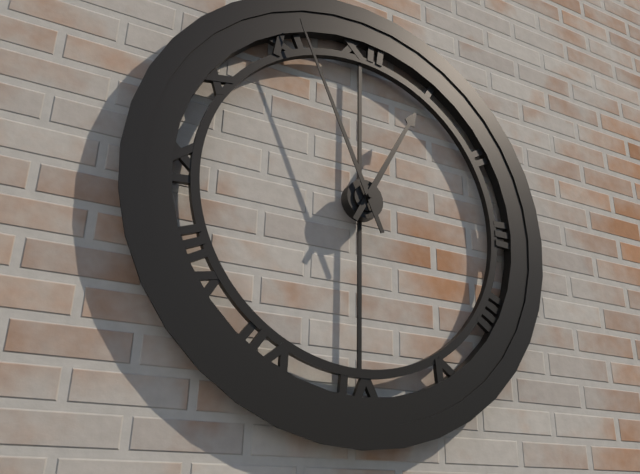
**12:56**
